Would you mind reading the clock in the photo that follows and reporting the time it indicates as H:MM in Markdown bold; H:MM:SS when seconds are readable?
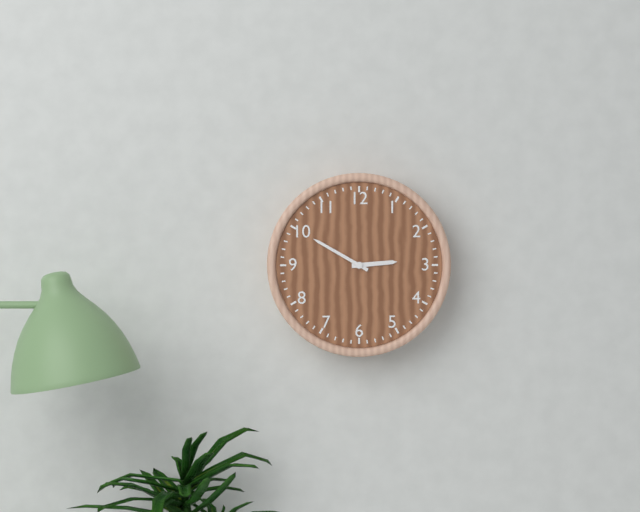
**2:50**
